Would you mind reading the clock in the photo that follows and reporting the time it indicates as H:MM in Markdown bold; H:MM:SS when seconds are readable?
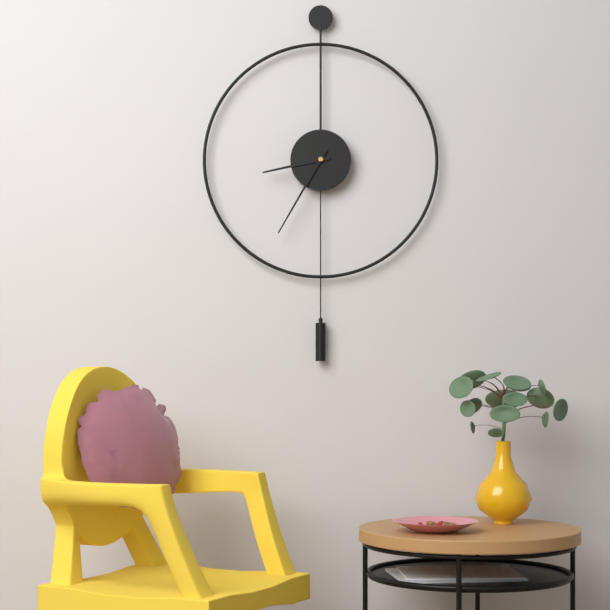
**8:35**
